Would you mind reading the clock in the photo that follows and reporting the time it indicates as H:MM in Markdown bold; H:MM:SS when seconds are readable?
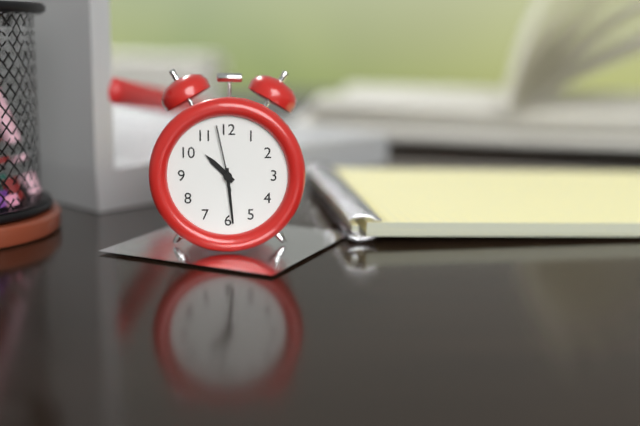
**10:29:58**
